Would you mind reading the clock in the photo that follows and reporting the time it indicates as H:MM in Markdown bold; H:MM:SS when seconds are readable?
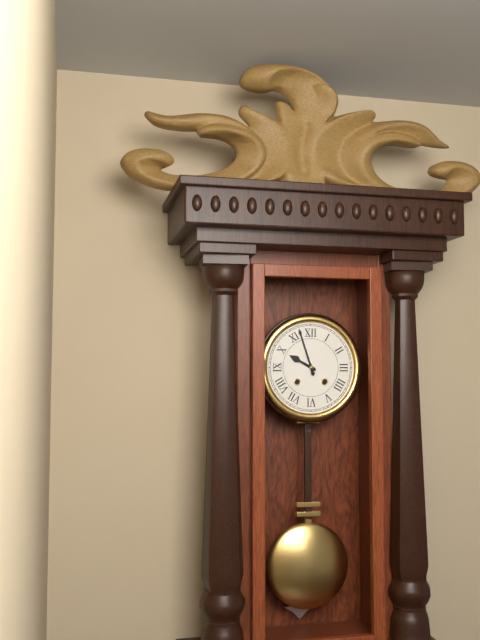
**9:57**
